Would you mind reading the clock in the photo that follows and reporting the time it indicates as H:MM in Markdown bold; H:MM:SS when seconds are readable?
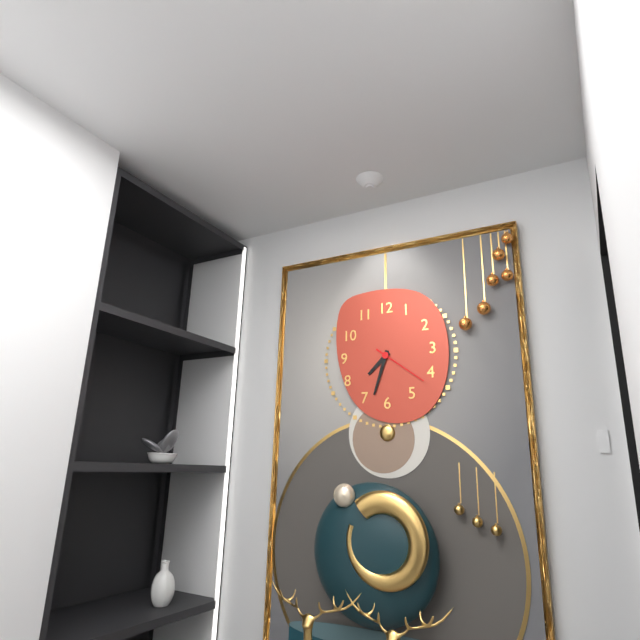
**7:33:21**
